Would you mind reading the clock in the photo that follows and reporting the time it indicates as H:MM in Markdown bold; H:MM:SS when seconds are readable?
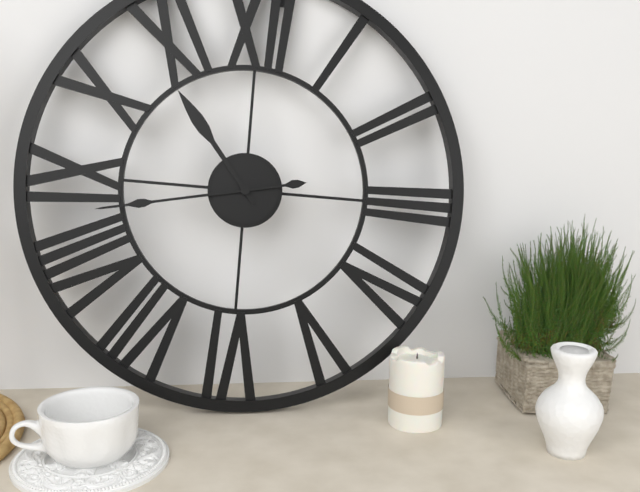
**10:43**
